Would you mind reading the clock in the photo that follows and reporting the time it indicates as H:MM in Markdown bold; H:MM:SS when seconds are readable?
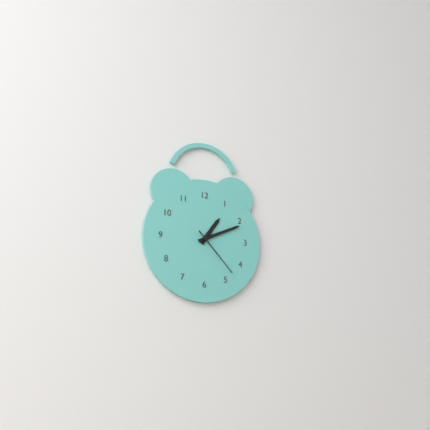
**1:11:23**
